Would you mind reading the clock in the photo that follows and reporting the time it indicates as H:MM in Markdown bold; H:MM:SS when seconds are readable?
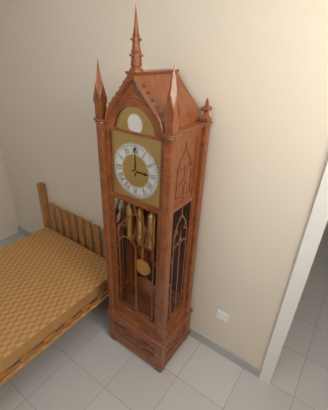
**3:00**
